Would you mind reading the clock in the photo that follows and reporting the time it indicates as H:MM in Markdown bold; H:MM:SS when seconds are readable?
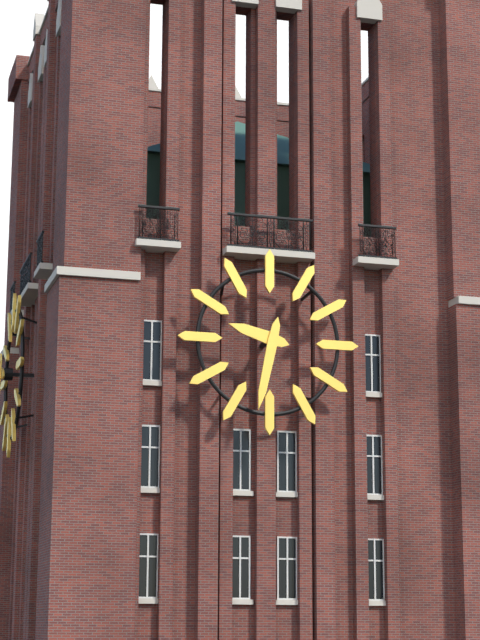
**9:32**
